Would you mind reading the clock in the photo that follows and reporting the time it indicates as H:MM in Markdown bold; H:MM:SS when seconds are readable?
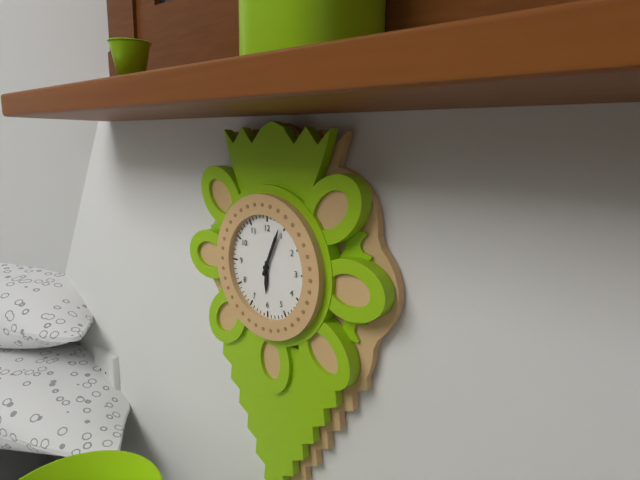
**6:04**
